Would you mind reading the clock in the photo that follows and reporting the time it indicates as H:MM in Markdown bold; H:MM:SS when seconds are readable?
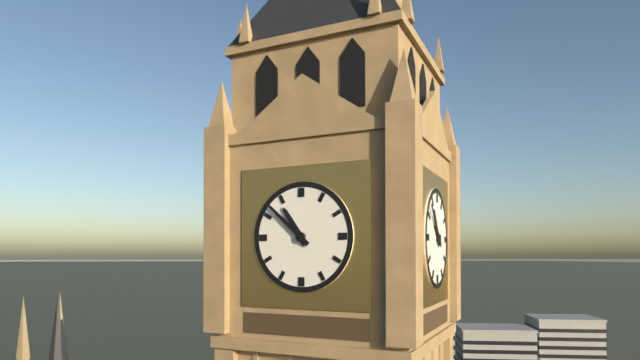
**10:52**
